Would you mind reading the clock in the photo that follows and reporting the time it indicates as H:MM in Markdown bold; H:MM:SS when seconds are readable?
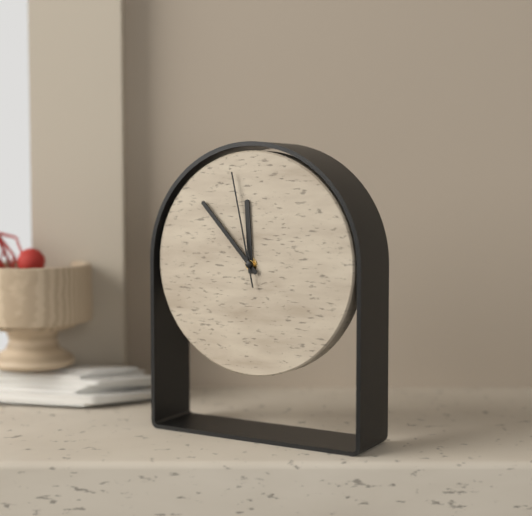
**11:53:58**
